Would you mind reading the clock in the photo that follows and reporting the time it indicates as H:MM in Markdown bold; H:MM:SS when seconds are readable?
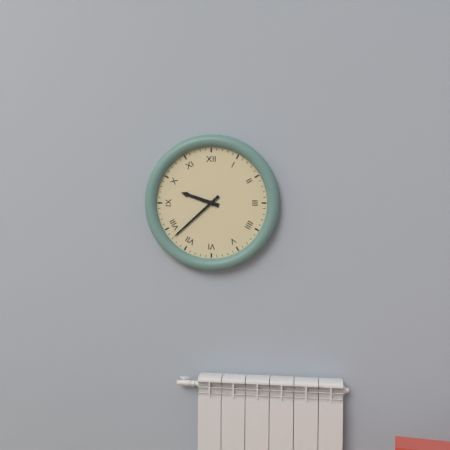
**9:38**
